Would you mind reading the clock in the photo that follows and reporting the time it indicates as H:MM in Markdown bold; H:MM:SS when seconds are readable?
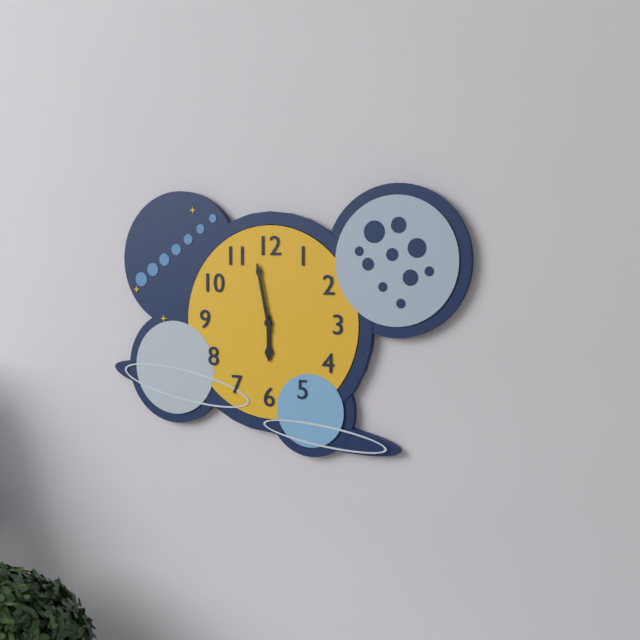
**5:58**
